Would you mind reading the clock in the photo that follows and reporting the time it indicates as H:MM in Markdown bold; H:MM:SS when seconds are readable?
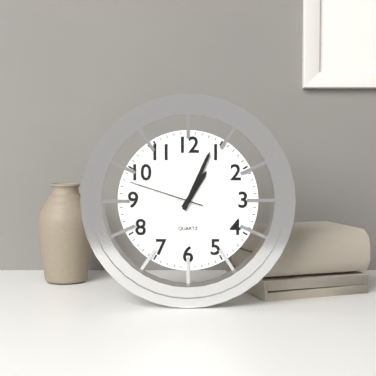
**1:04:48**
